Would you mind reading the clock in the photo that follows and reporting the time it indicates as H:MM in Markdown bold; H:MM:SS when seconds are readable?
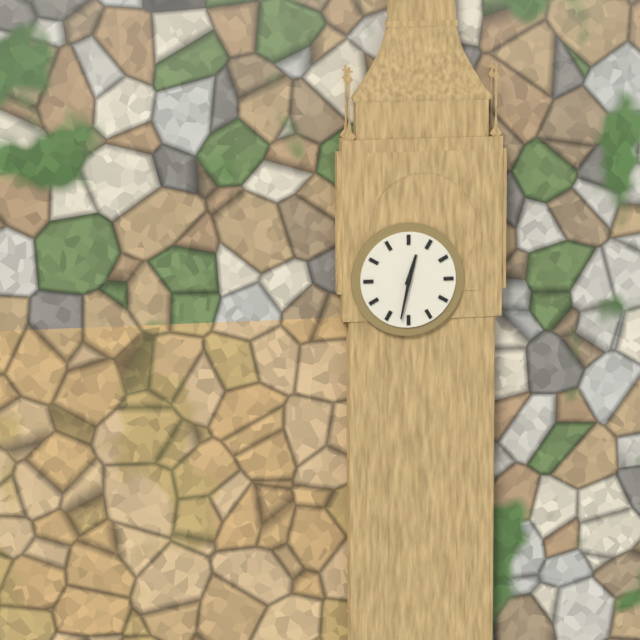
**12:32**
